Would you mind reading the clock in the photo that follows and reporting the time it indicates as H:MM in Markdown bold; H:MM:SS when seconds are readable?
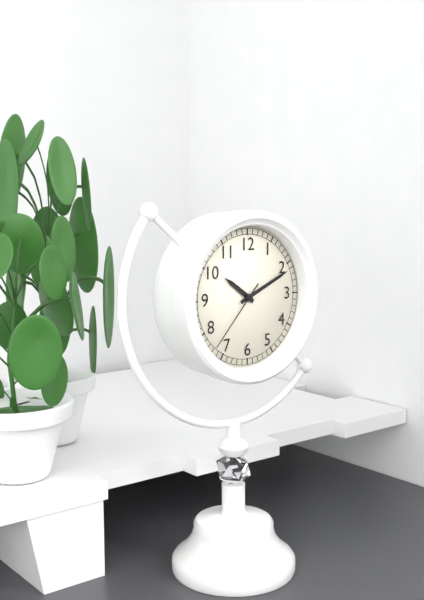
**10:11:37**
